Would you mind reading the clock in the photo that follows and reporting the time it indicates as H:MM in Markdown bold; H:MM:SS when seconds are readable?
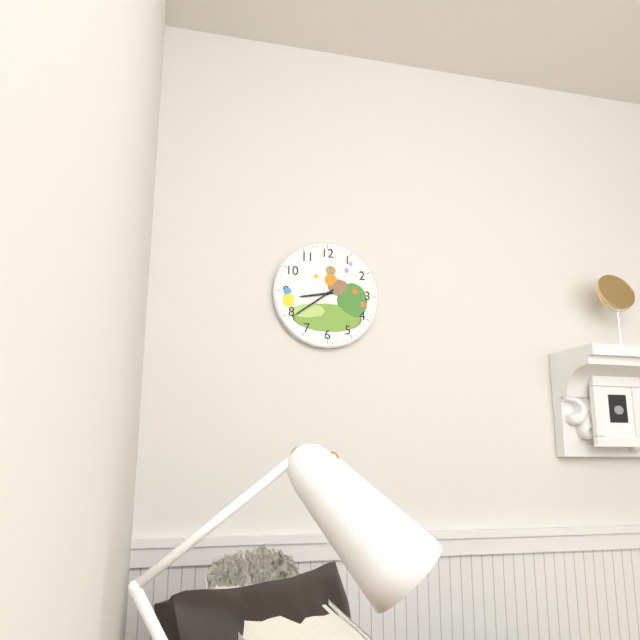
**8:39**
